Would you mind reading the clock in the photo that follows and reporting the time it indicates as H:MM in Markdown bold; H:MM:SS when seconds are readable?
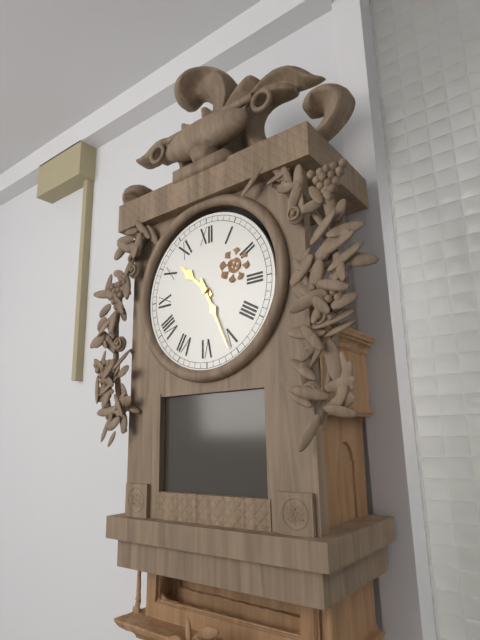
**10:26**
